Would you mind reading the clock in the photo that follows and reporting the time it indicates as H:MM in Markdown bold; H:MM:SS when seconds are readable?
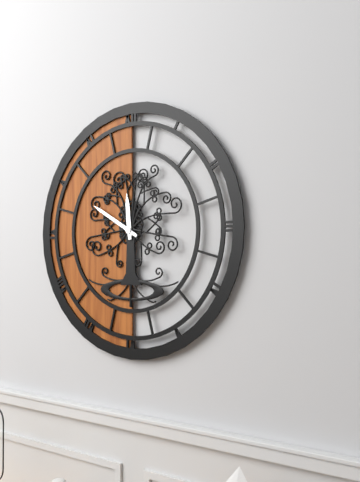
**11:50**
